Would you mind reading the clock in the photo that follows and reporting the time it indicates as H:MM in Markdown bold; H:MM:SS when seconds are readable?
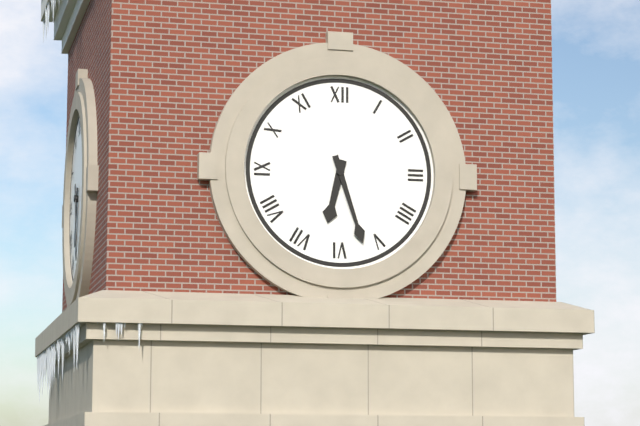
**6:27**
